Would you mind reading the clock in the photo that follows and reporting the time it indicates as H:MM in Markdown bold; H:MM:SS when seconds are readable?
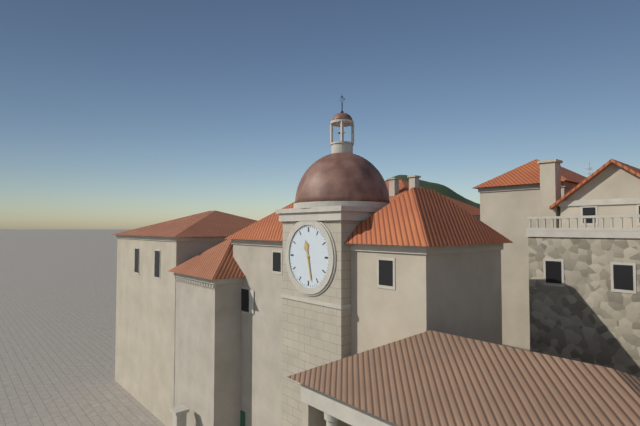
**11:28**
